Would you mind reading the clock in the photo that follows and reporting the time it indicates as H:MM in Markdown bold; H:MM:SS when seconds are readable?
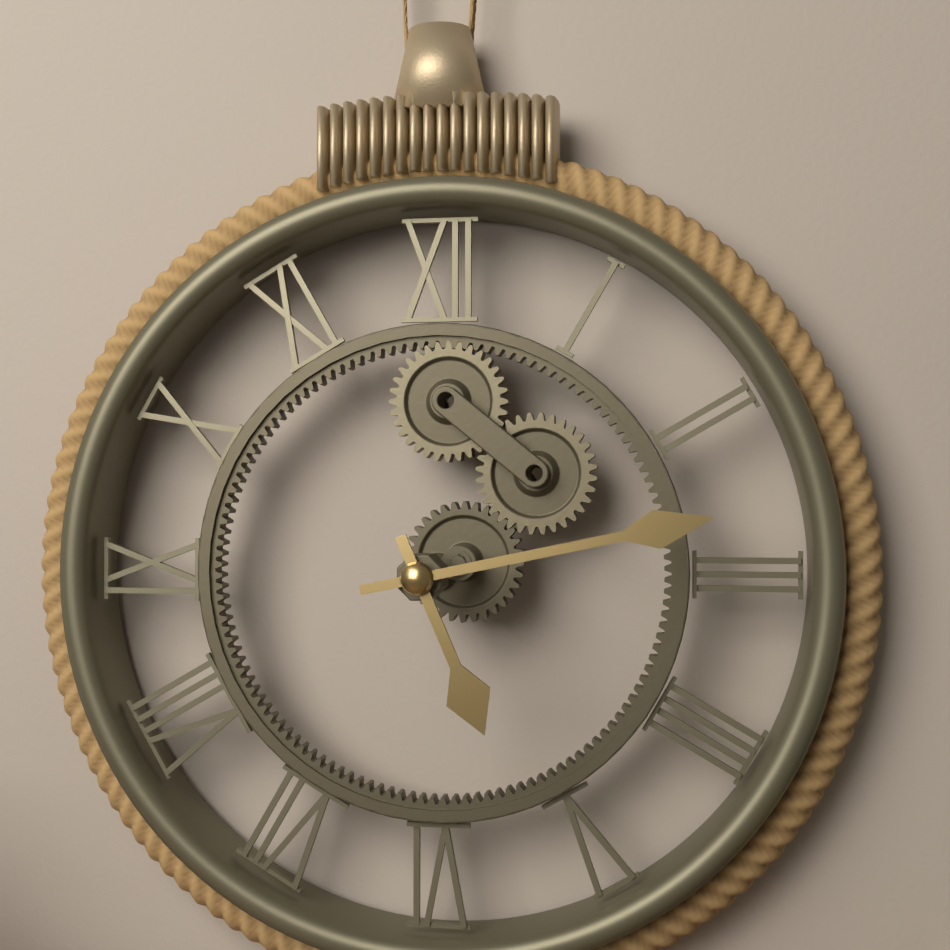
**5:13**
